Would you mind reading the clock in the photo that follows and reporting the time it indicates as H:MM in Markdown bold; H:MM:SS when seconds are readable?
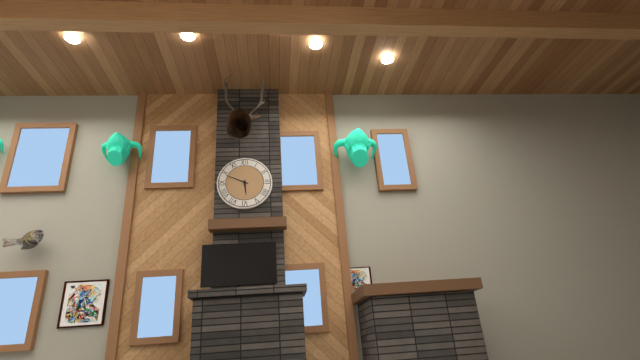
**5:49**
